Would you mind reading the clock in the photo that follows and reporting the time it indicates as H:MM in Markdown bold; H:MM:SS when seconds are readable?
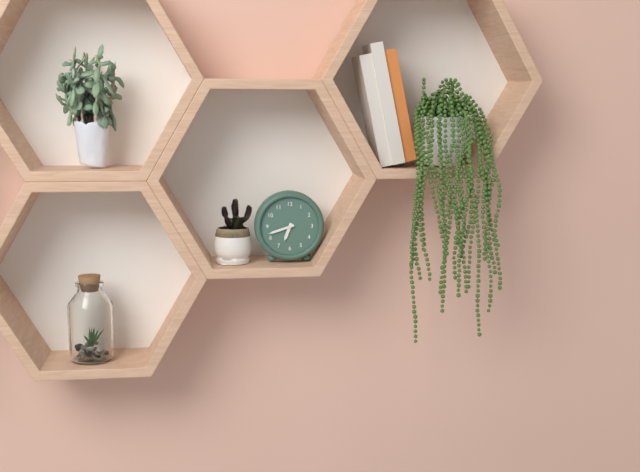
**6:42**
